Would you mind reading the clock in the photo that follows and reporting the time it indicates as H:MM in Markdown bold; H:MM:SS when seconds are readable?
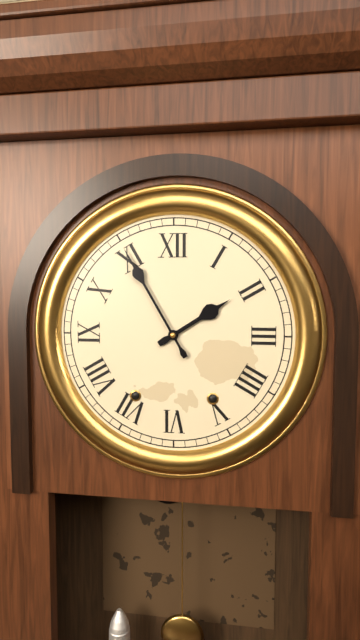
**1:55**
